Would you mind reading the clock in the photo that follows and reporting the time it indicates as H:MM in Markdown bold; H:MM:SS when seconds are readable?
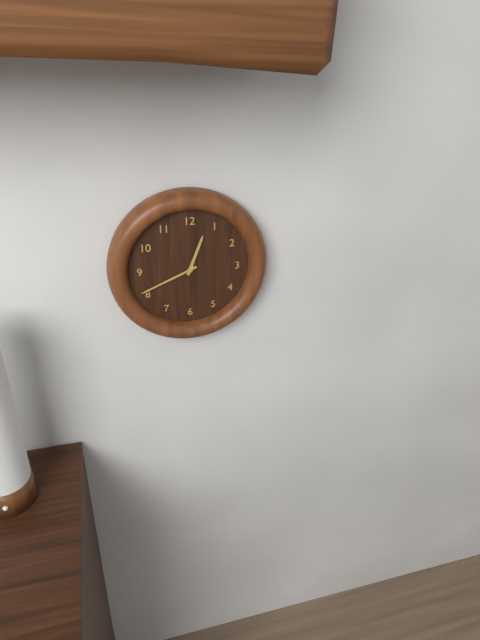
**12:41**
